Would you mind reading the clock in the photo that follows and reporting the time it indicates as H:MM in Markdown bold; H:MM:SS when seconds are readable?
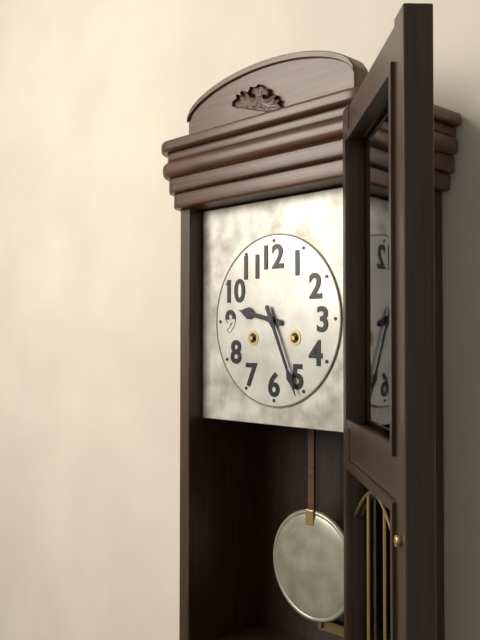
**9:26**
